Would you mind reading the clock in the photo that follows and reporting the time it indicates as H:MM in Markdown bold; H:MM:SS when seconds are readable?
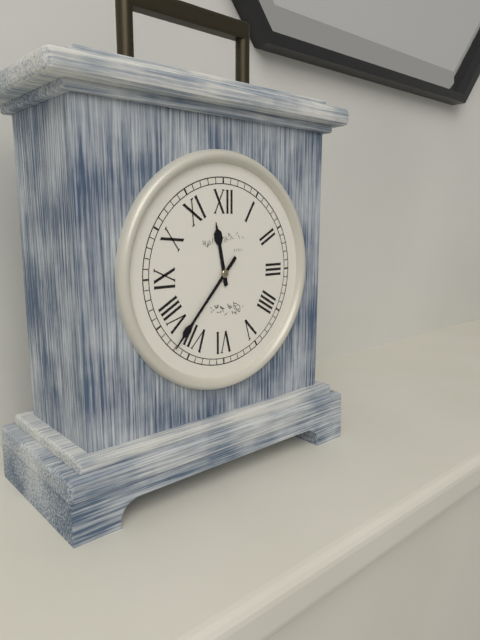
**11:37**
